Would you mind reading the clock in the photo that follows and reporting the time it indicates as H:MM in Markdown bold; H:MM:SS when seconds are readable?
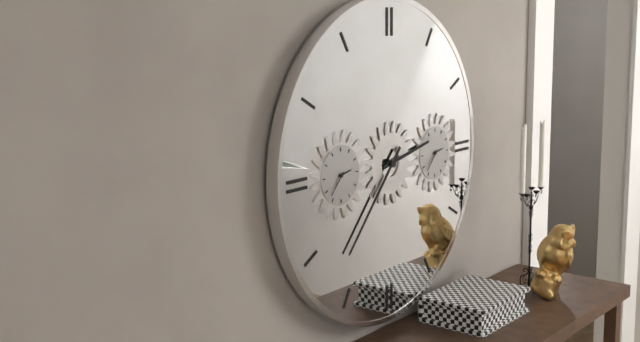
**2:37**
